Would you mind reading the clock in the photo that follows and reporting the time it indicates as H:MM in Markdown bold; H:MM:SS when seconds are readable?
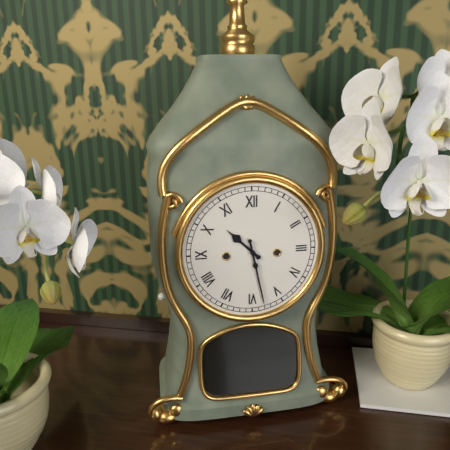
**10:28**
